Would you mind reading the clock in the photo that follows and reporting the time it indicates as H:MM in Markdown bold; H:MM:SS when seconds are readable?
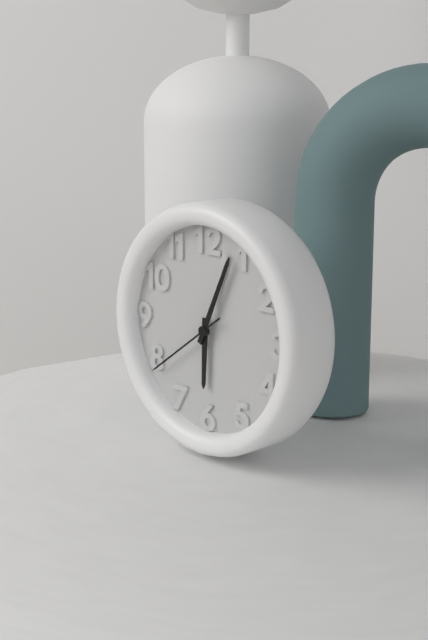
**6:04:39**
